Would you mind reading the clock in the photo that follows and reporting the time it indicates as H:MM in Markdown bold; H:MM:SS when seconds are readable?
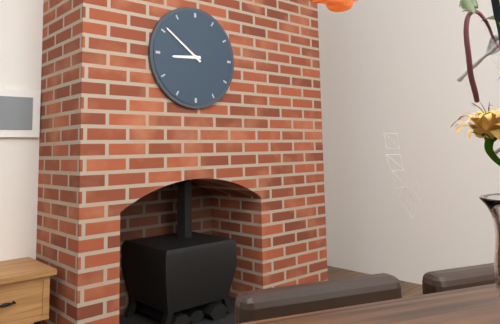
**8:51**
